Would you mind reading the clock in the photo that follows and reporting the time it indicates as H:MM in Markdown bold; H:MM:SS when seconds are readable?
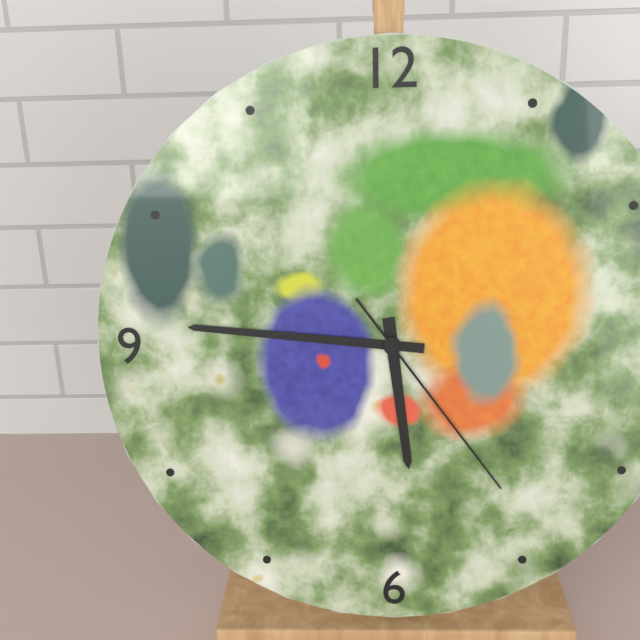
**5:46:24**
